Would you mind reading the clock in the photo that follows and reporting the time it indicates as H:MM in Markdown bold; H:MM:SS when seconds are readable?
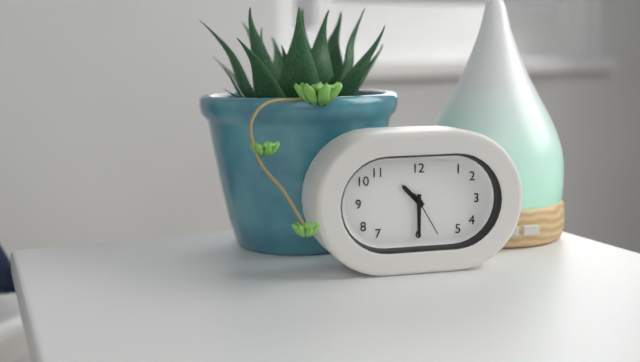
**10:30:25**
